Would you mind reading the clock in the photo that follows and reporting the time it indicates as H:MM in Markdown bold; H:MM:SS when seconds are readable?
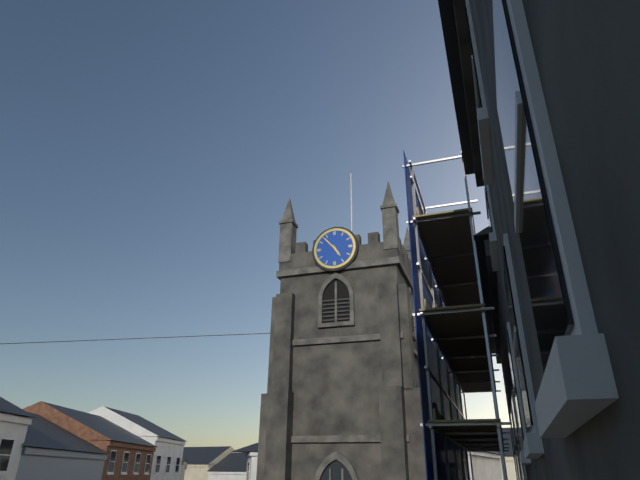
**4:53**
